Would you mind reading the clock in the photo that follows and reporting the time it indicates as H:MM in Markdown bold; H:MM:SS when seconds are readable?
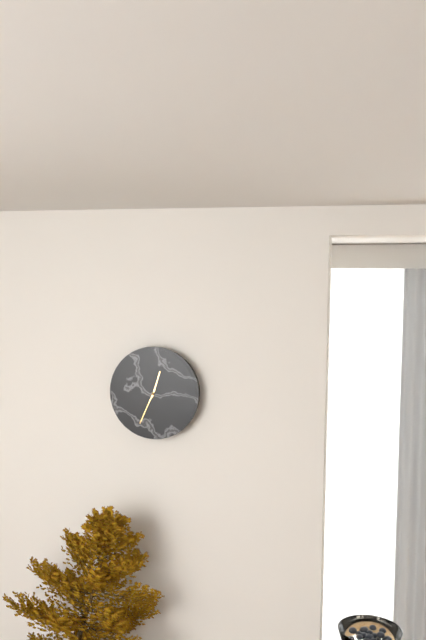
**12:34**
